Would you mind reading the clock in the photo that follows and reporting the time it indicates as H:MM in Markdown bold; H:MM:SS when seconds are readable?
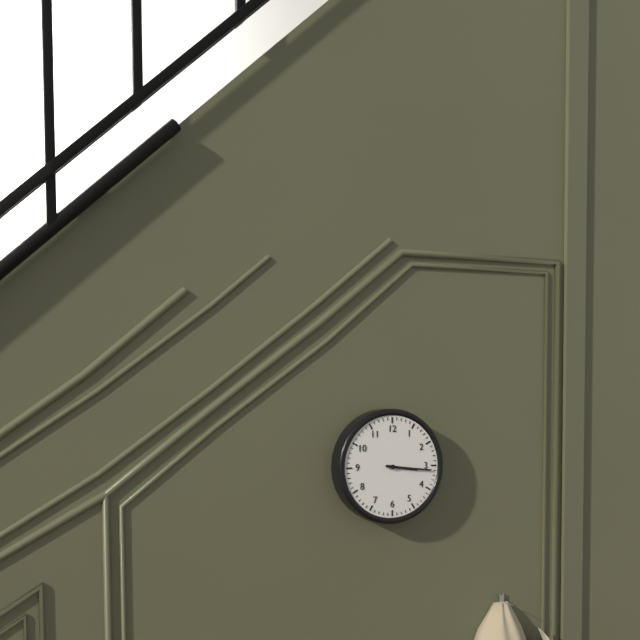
**3:16**
